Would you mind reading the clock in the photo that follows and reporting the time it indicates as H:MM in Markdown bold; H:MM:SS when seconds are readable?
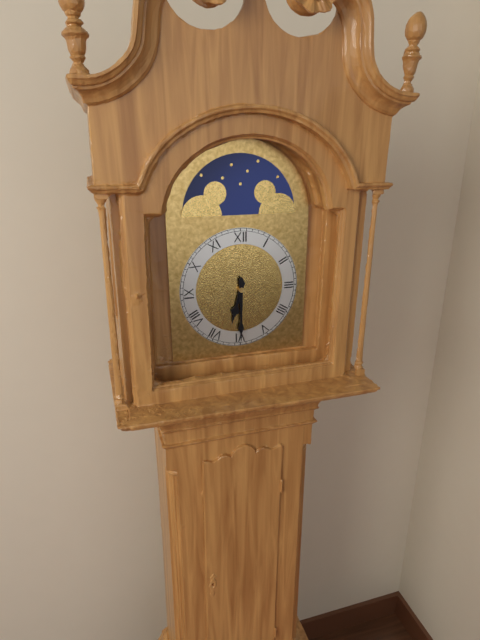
**6:30**
